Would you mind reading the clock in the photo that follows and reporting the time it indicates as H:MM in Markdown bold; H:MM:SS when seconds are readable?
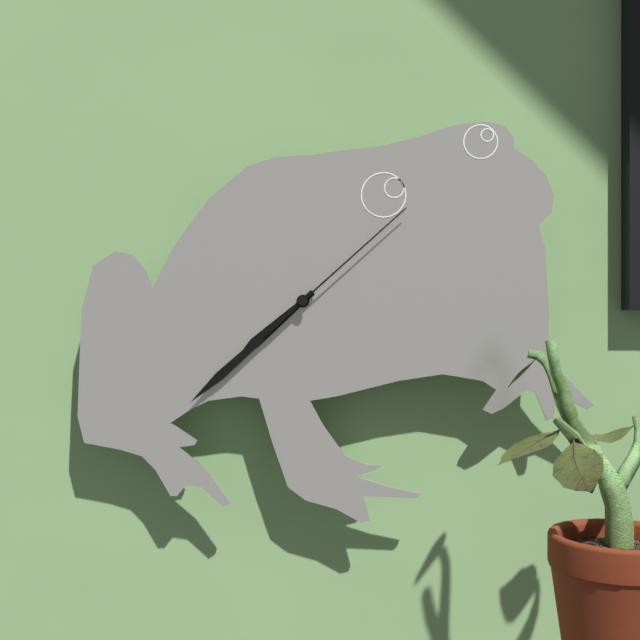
**7:38:08**
